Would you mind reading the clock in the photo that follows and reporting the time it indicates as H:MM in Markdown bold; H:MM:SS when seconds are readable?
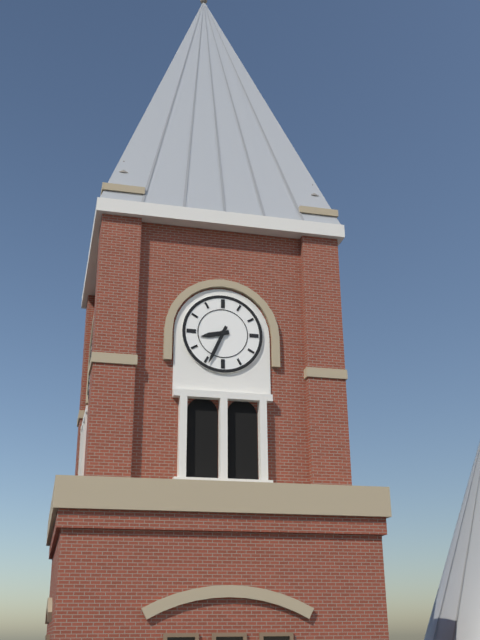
**8:34**
